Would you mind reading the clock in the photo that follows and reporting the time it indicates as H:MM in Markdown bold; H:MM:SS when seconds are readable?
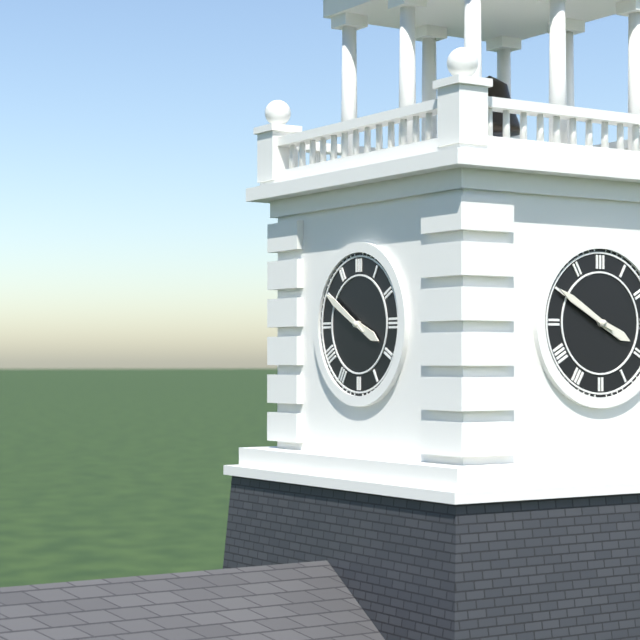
**3:50**
